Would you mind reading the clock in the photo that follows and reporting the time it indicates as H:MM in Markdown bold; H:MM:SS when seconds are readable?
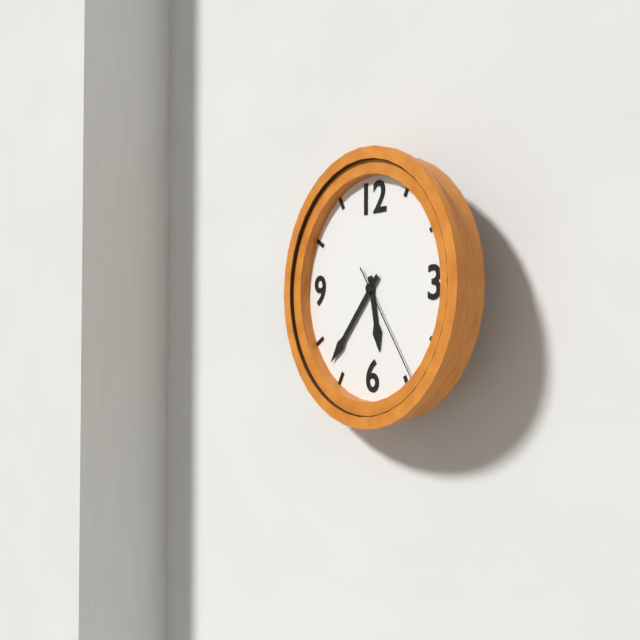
**5:37:24**
